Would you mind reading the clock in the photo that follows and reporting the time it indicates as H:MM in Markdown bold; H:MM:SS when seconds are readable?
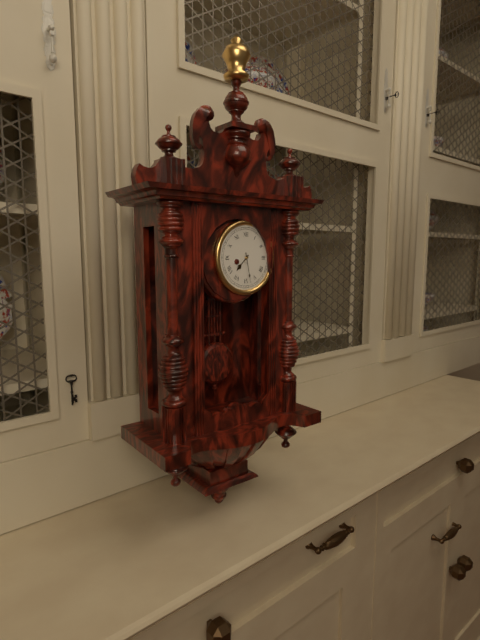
**7:28**
